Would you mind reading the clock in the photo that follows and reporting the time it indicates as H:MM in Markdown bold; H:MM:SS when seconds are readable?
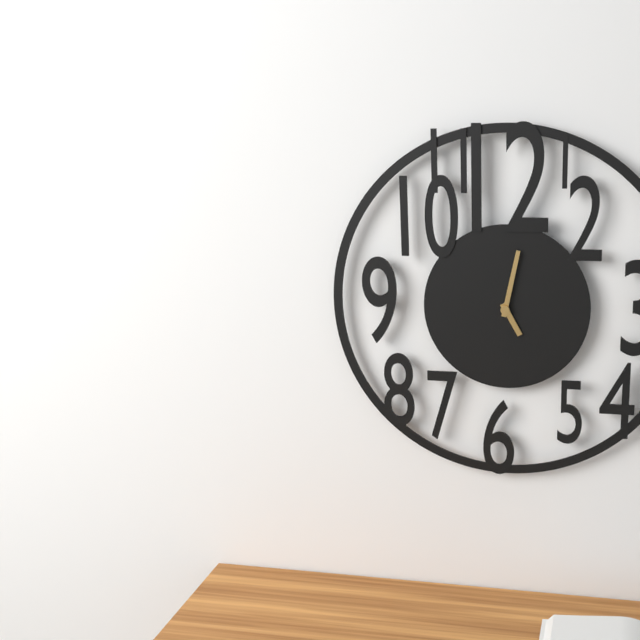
**5:02**
